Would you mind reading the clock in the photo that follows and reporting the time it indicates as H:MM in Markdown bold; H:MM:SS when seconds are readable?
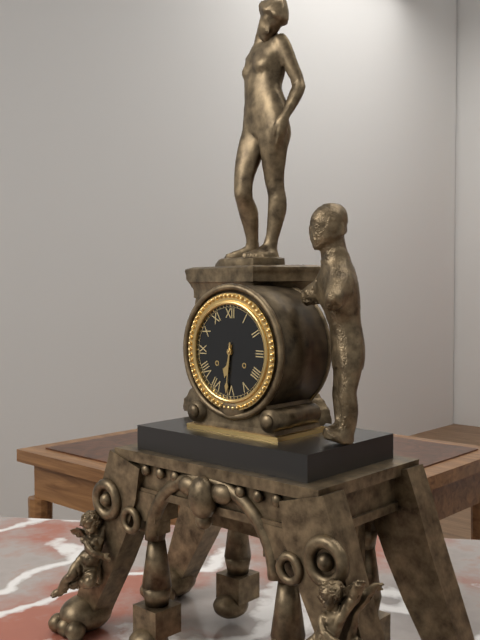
**6:31**
